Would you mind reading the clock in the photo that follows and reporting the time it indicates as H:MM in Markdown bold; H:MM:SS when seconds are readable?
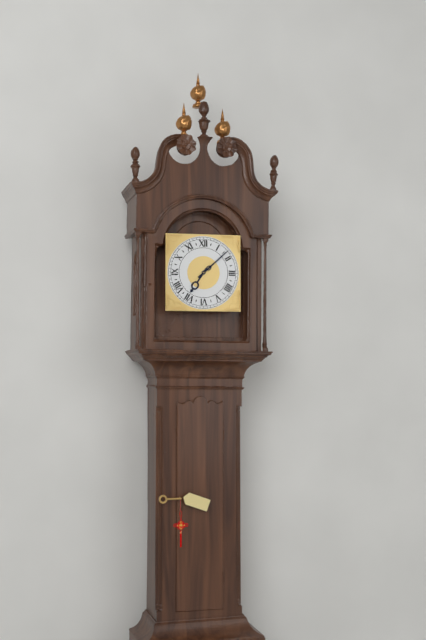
**7:08**
